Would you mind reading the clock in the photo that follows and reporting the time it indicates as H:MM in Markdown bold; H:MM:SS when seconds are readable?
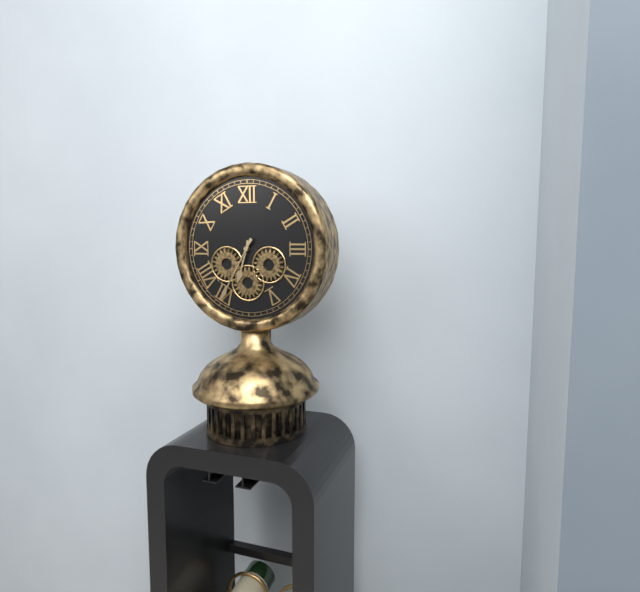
**6:35**
